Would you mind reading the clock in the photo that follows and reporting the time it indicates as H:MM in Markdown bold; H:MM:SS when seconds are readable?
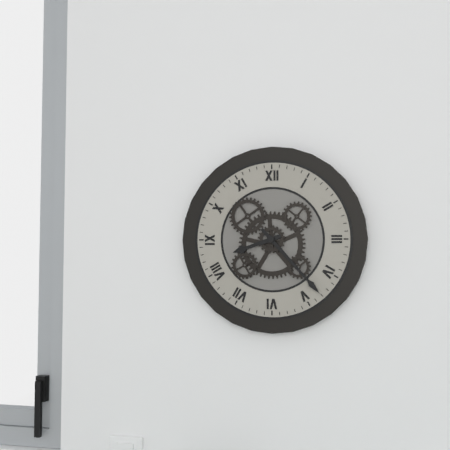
**8:23**
